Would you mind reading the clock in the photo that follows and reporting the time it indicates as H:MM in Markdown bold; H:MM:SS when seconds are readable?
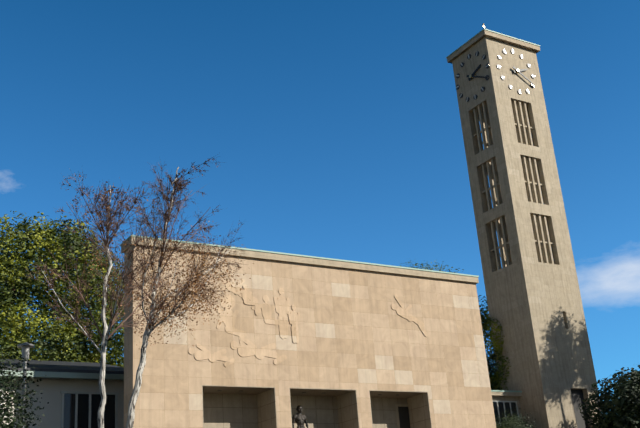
**2:20**
